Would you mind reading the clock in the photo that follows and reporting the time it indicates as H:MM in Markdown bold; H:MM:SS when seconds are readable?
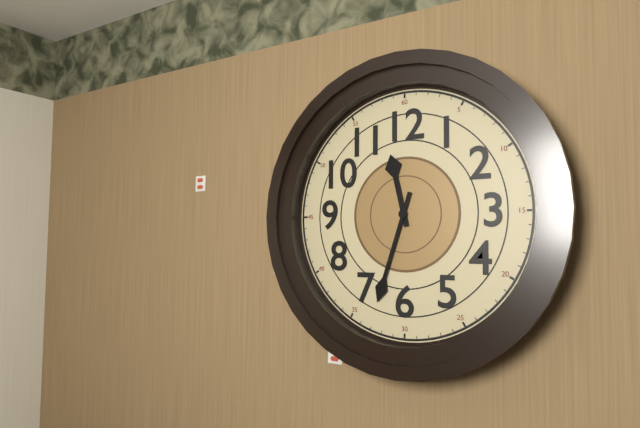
**11:33**
